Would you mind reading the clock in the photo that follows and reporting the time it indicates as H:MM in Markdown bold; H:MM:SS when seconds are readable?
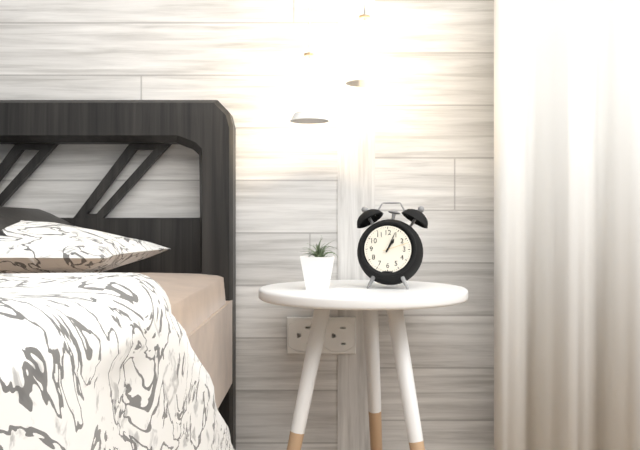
**1:04**
